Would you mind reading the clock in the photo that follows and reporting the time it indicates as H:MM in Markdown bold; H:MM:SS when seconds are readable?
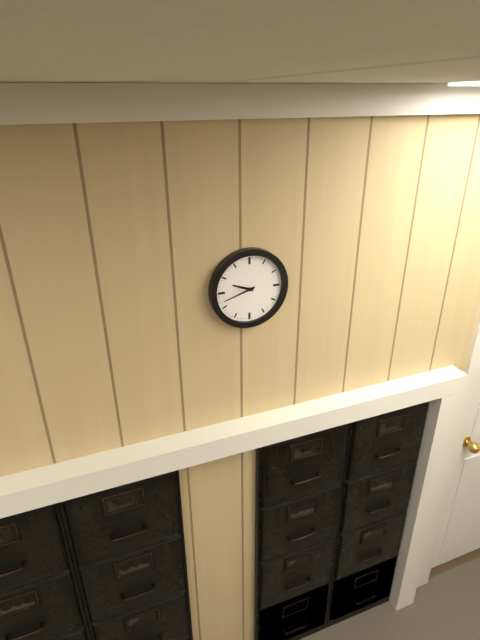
**9:42**
